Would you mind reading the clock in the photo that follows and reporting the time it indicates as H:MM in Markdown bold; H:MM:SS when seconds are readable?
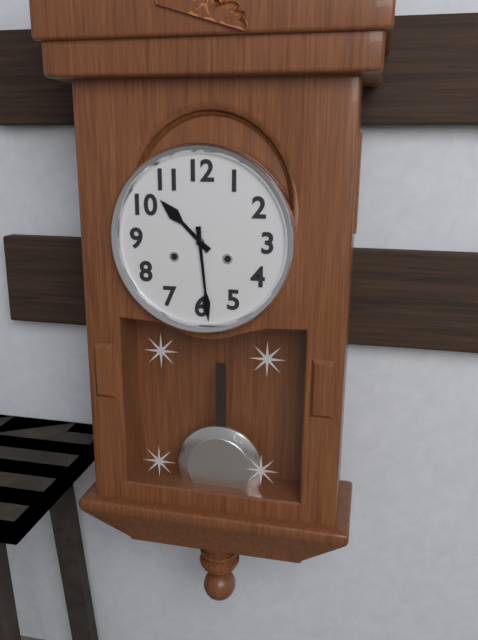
**10:29**
